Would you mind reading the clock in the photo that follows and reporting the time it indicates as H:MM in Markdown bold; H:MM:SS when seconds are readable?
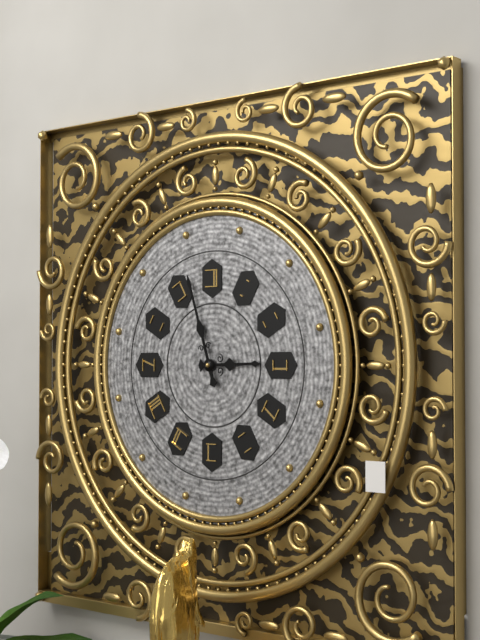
**2:57**
